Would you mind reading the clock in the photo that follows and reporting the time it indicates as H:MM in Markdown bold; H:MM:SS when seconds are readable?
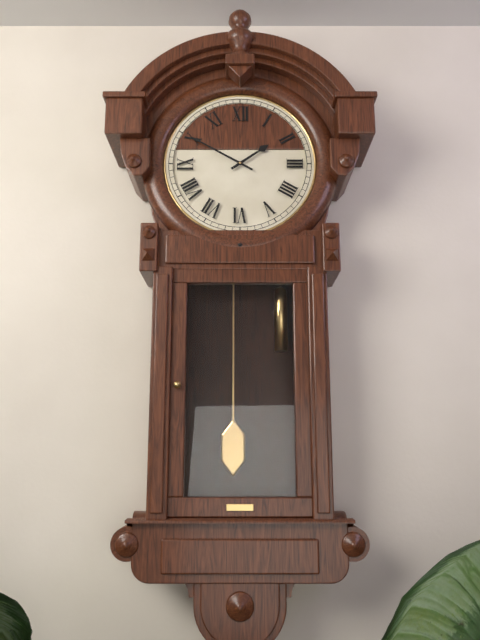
**1:50**
